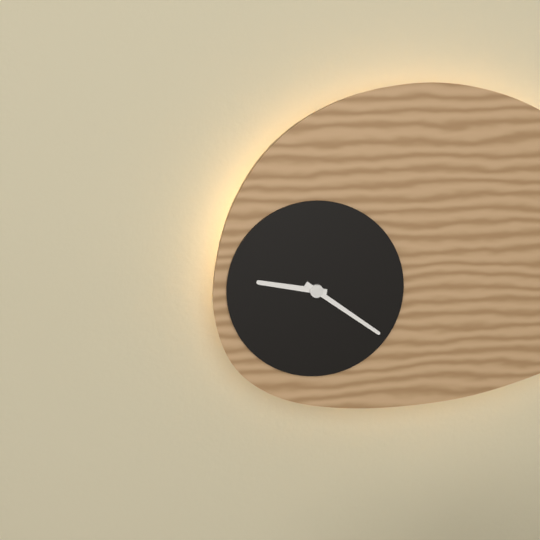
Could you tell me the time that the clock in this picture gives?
9:21
